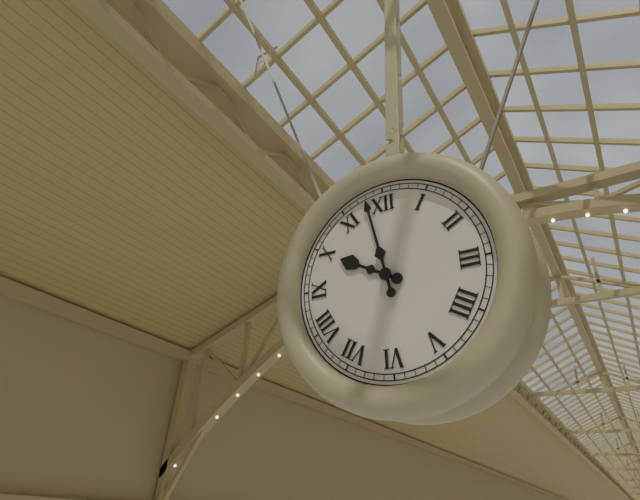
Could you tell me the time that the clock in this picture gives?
9:58
